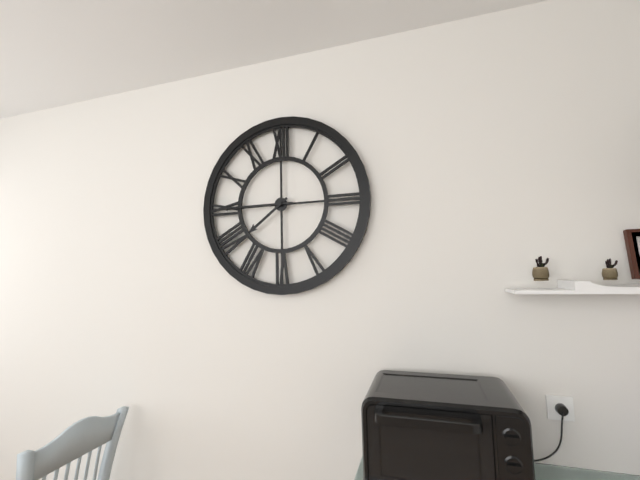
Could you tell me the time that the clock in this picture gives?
7:45
